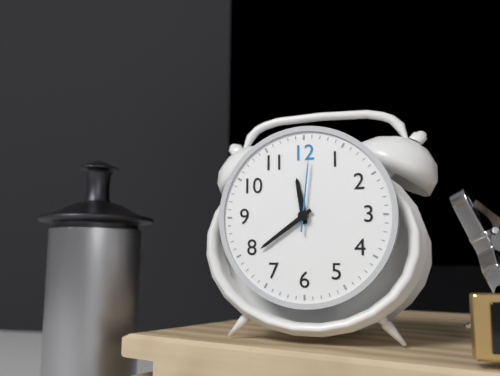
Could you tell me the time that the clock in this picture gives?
11:39:01
